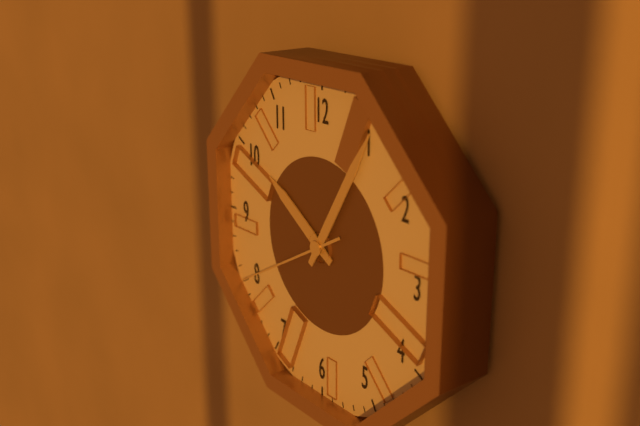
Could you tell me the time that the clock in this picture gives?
10:05:40
